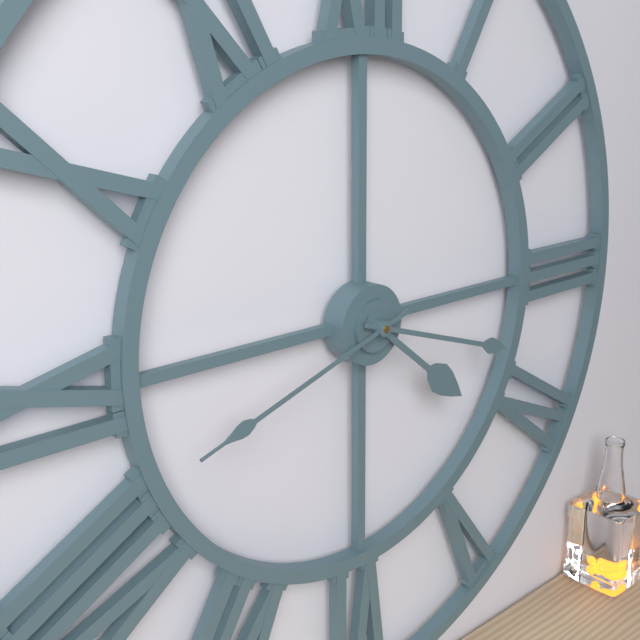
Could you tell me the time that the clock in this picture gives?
4:18:42
